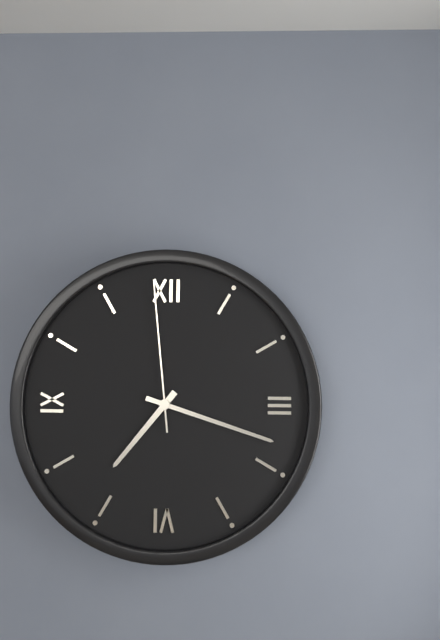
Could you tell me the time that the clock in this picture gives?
7:18:59
